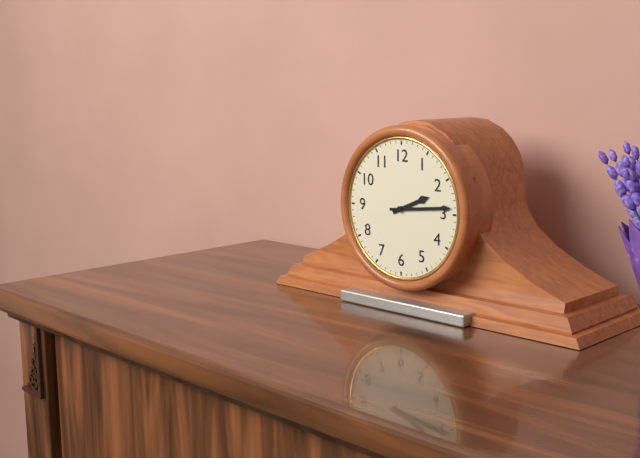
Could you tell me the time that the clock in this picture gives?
2:14
